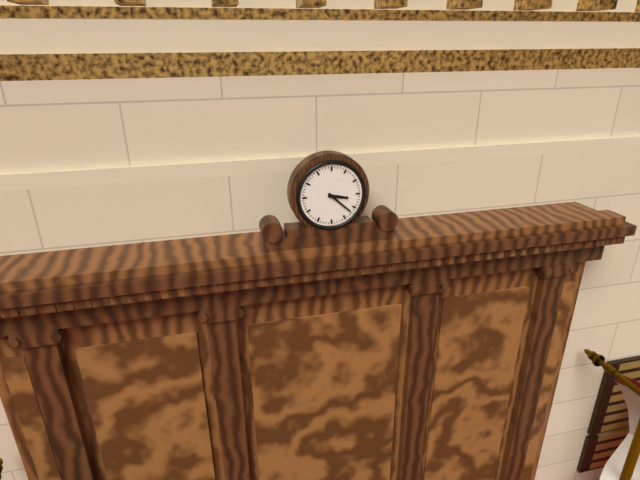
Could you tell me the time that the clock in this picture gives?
3:22
